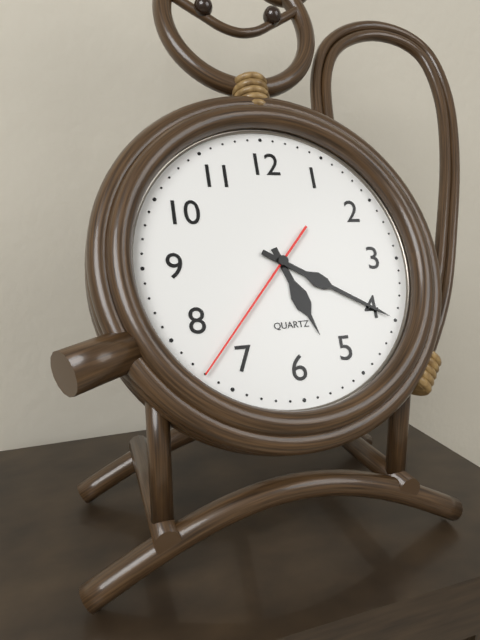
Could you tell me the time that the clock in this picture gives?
5:20:37
